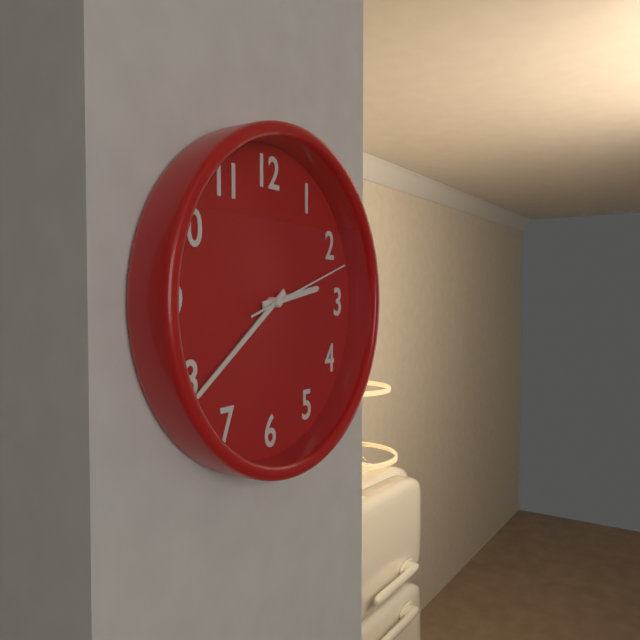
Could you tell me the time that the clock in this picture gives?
2:39:12
